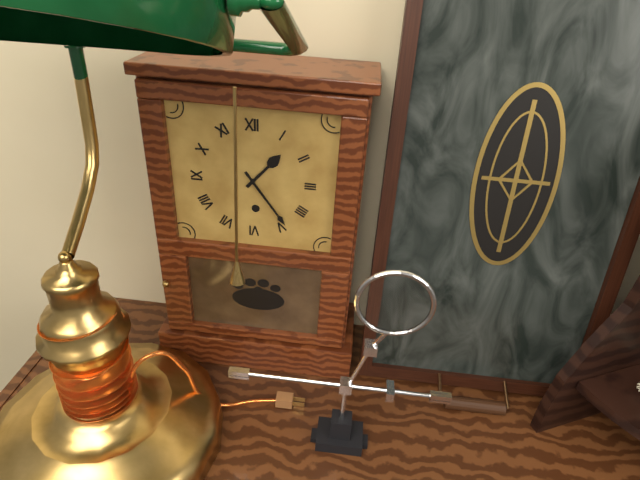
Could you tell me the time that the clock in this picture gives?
1:24
